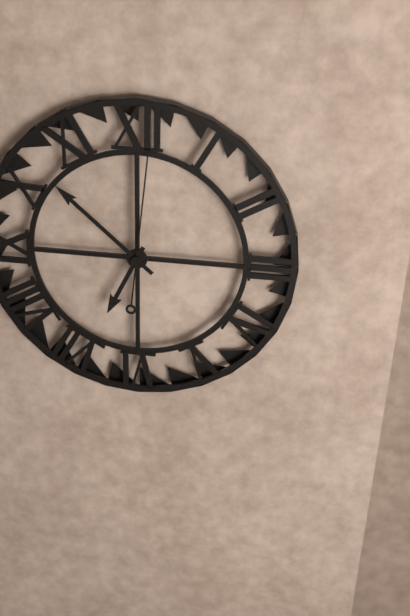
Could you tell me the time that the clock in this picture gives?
6:52:01
